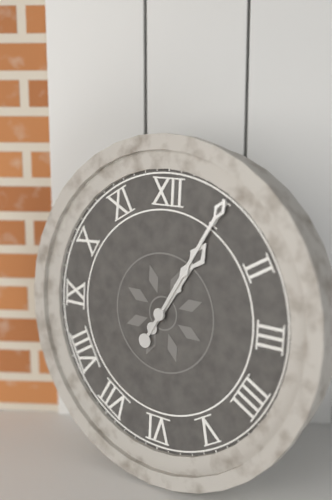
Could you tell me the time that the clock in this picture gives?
1:05
